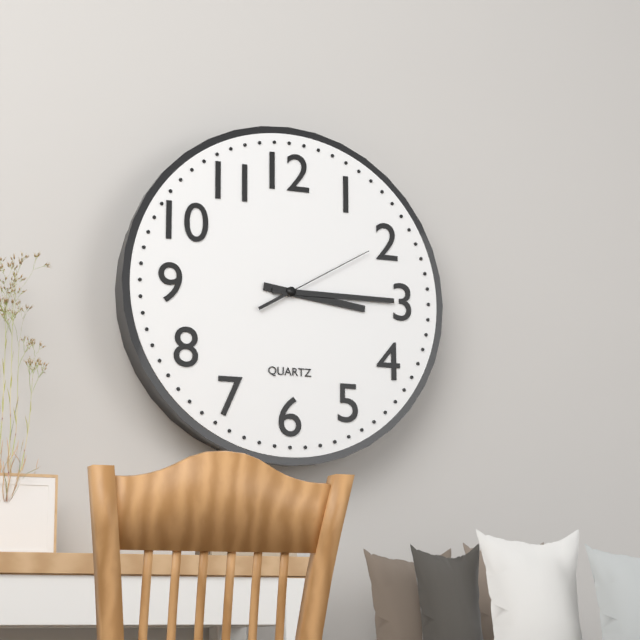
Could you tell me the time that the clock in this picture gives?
3:15:10
